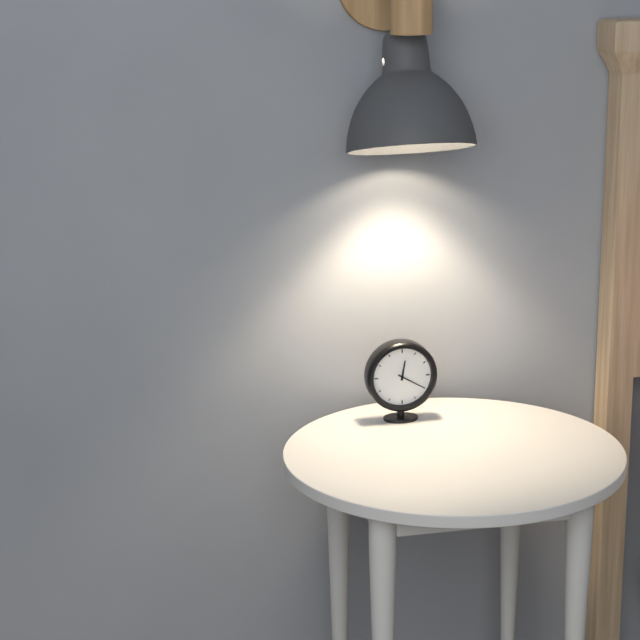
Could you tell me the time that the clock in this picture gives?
12:20
